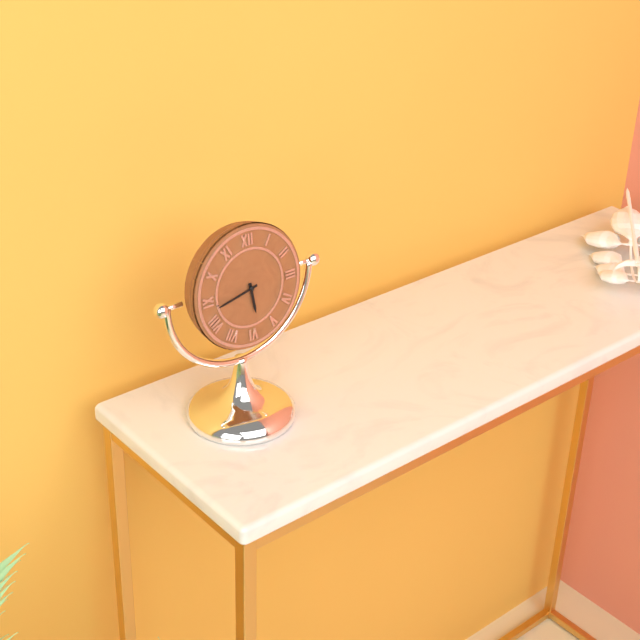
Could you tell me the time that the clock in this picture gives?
5:43
